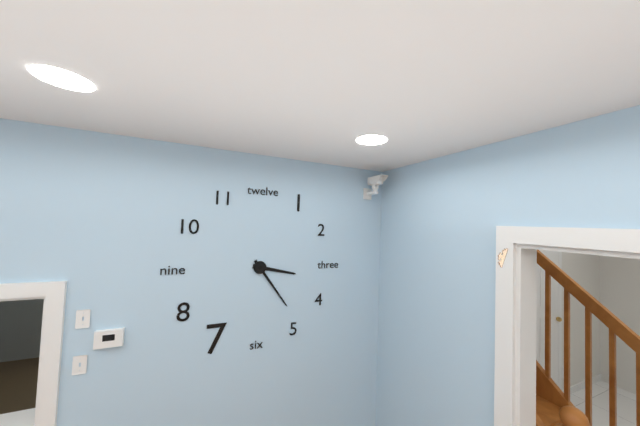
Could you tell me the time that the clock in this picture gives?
3:24
